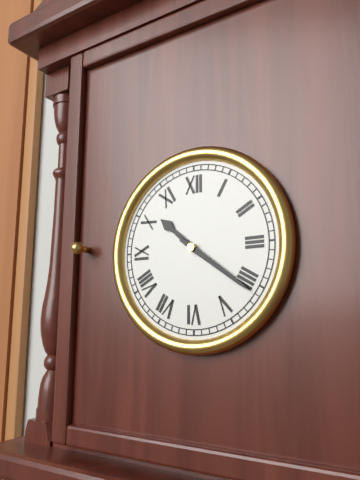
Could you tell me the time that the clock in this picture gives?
10:21
